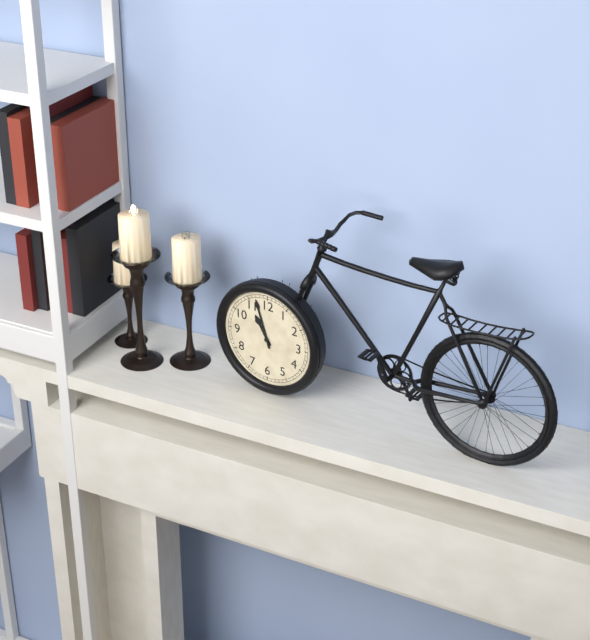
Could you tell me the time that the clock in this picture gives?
10:57
